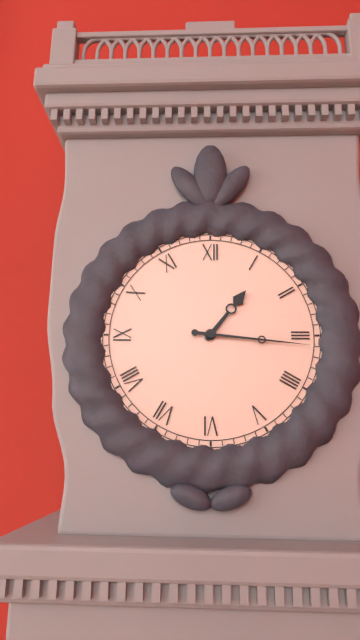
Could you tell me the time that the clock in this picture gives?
1:16
